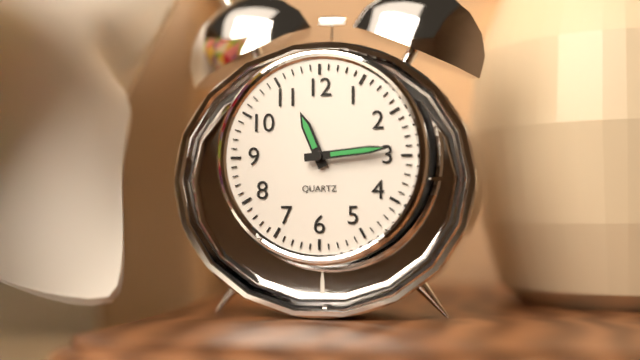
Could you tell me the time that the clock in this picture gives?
11:14
